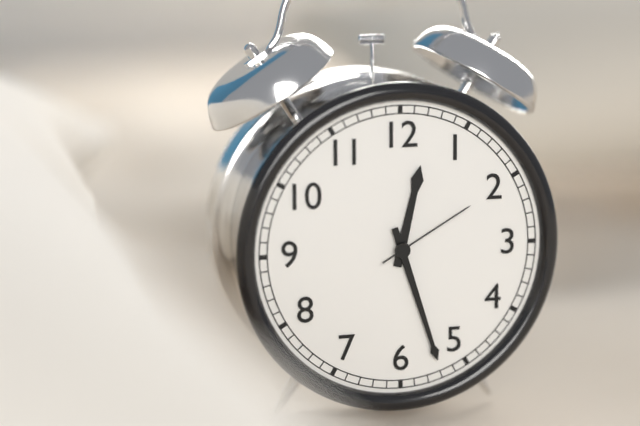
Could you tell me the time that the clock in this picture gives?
12:27:10
